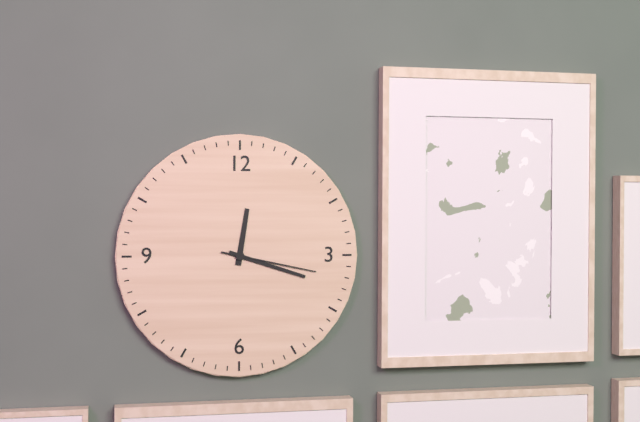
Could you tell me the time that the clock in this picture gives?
12:18:17
